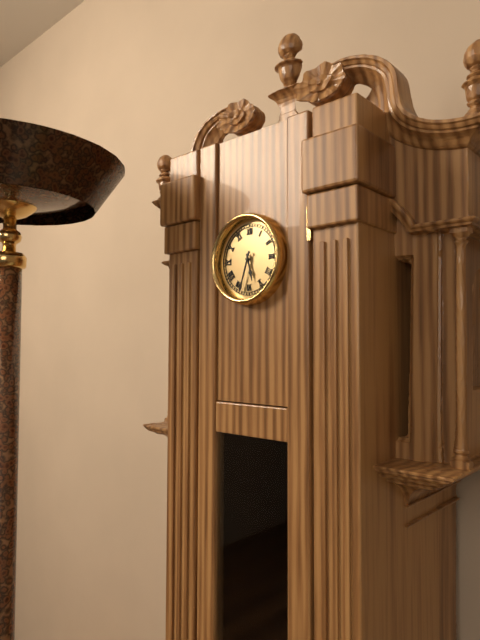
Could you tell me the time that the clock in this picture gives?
5:33
